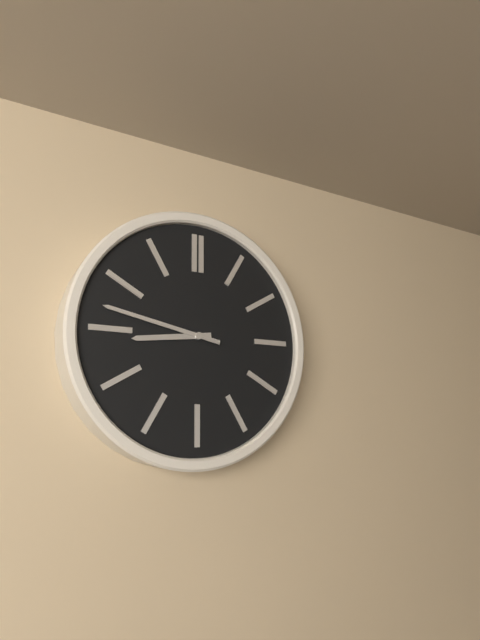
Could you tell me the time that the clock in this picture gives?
8:47
